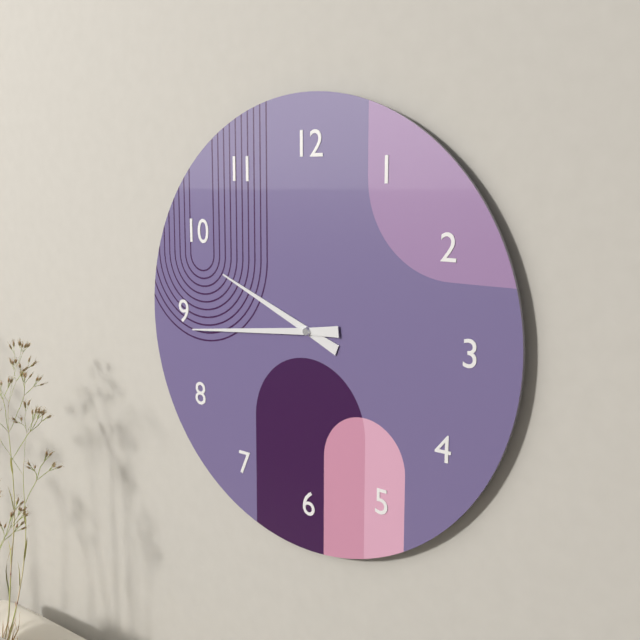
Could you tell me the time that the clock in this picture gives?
9:44
